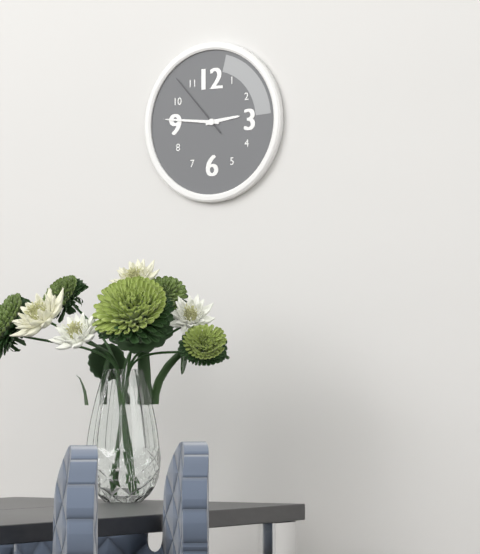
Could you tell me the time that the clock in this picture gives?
2:46:53
